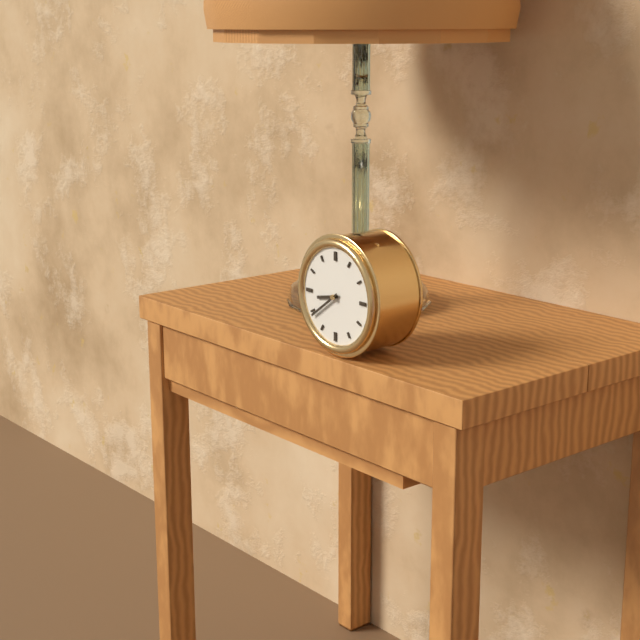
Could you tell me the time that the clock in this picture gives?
8:39
